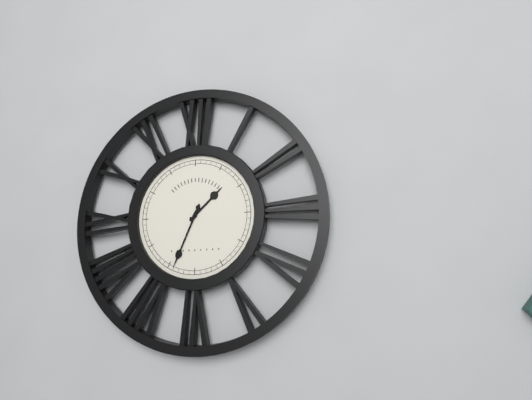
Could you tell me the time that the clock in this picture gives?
1:34
